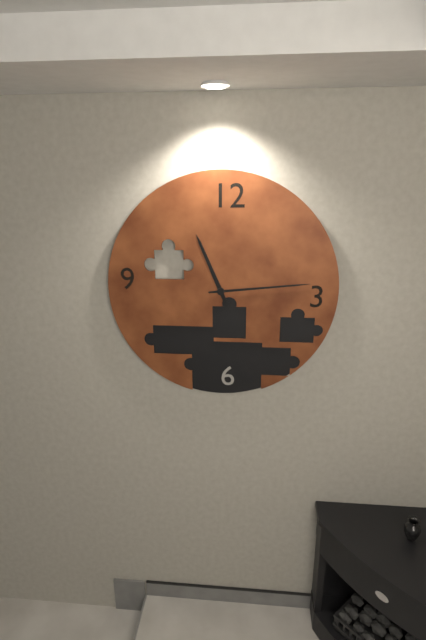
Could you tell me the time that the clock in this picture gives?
11:14
